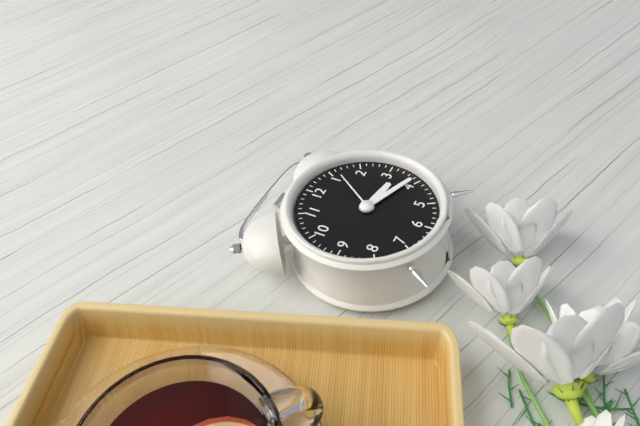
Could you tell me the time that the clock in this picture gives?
3:19:06
